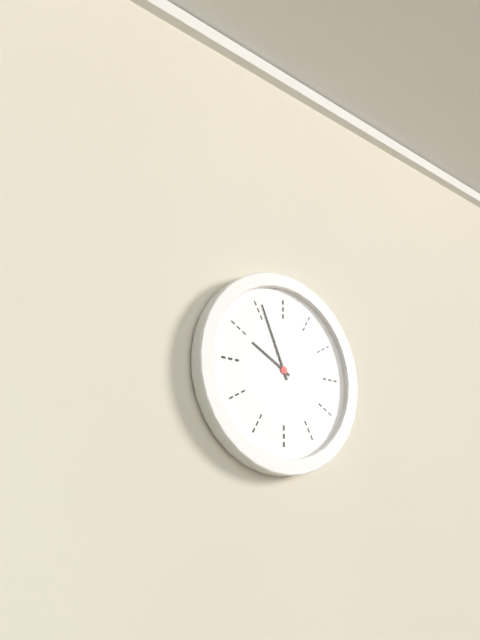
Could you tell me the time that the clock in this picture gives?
9:56
